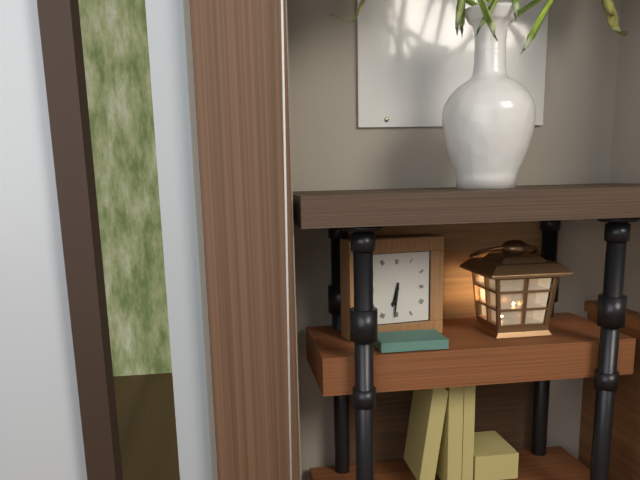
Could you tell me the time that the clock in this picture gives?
6:31
